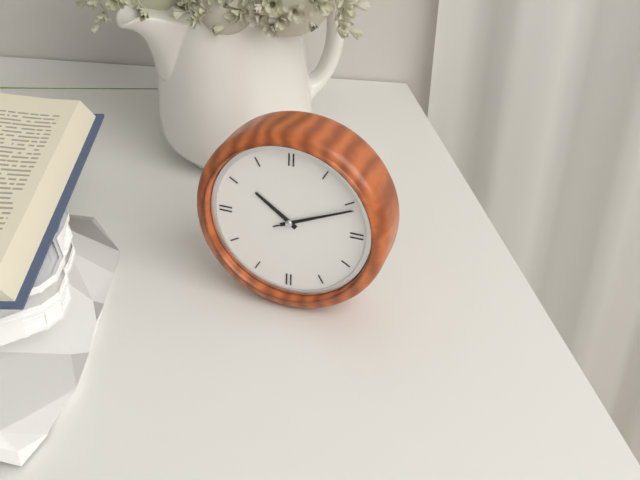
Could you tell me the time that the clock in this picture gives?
10:11:11
